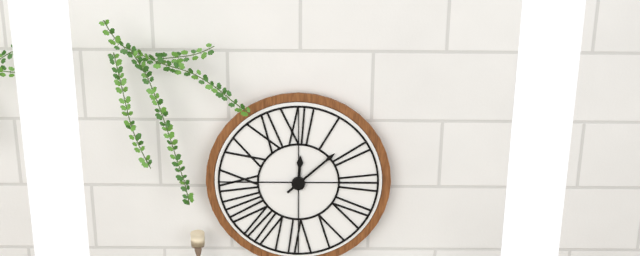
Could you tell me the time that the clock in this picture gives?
12:08
